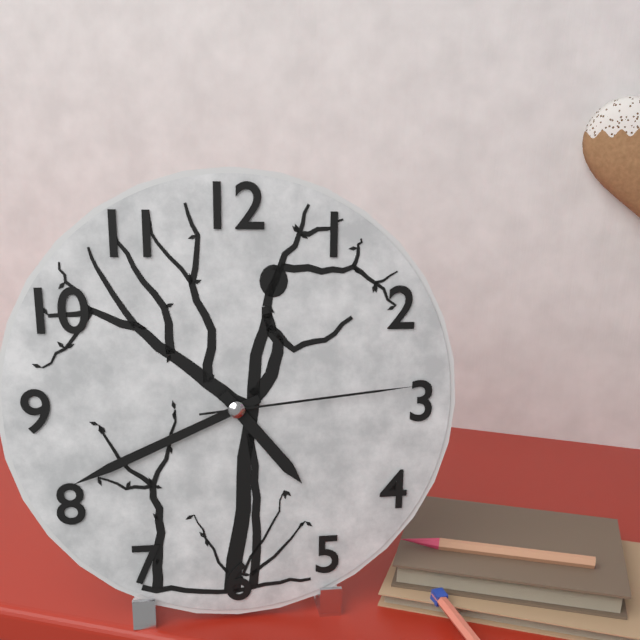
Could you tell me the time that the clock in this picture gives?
4:41:14
